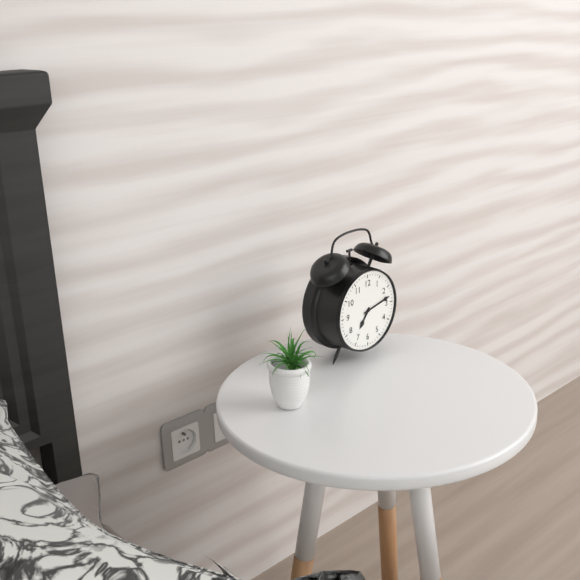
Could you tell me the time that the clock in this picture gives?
7:13
